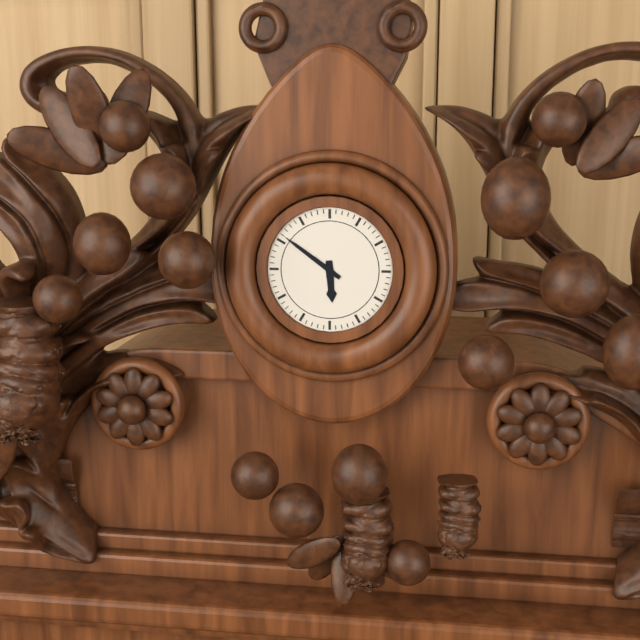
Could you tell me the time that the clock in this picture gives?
5:51
